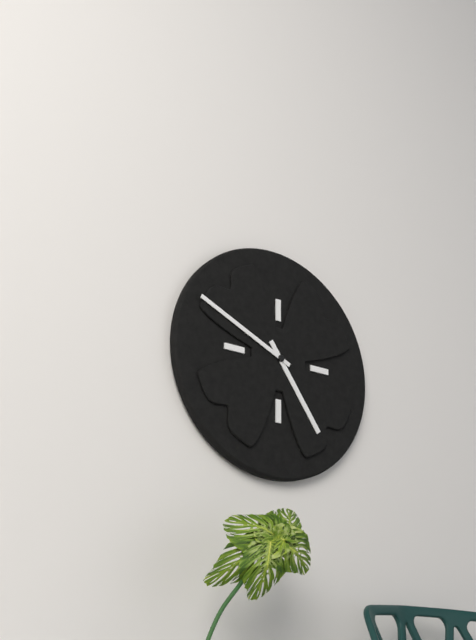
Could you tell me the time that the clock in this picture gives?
4:49
